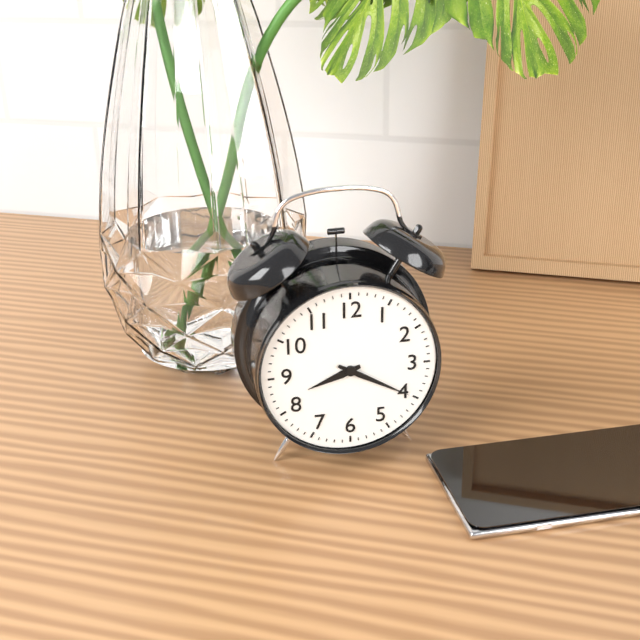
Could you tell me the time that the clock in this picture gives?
8:20
